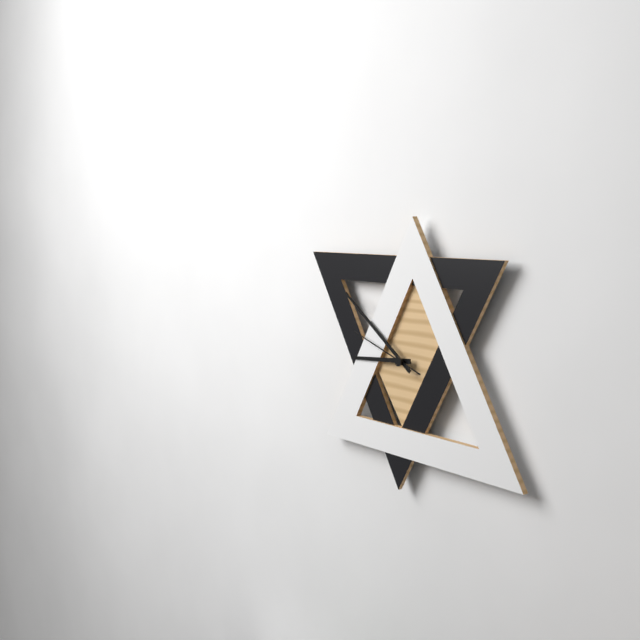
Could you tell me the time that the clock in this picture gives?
8:51:48
